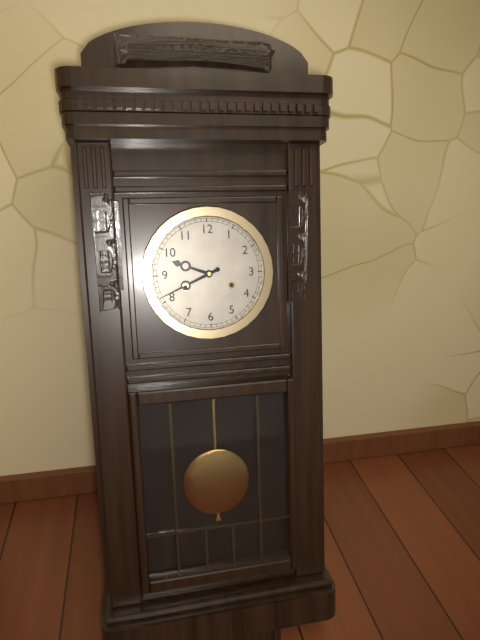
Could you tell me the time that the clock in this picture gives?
9:41
